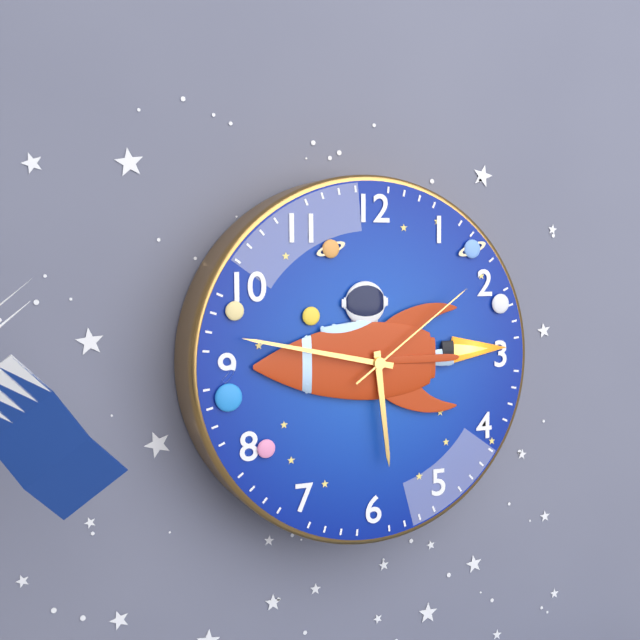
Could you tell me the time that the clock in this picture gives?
5:47:09
